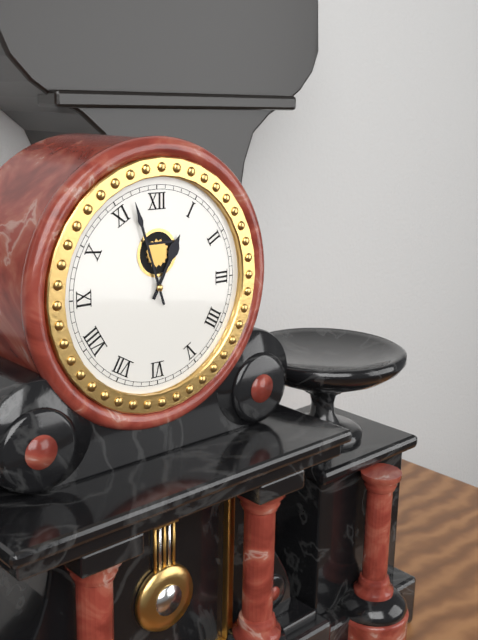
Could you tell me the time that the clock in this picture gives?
12:57
